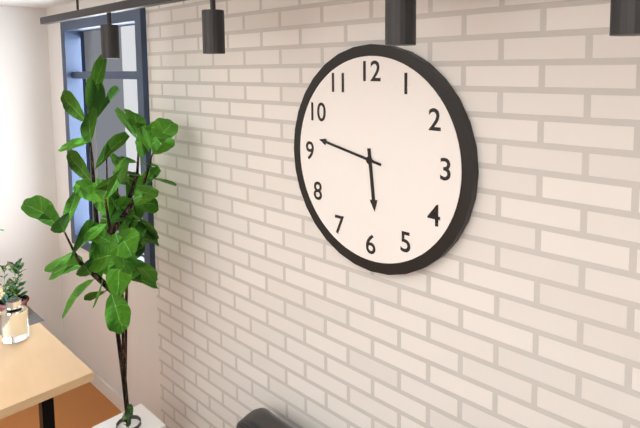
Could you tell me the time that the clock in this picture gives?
5:47
